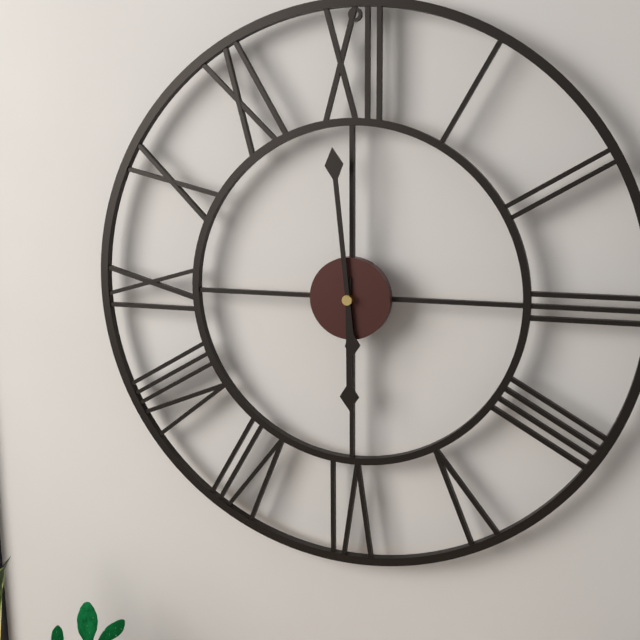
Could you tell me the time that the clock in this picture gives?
5:59
